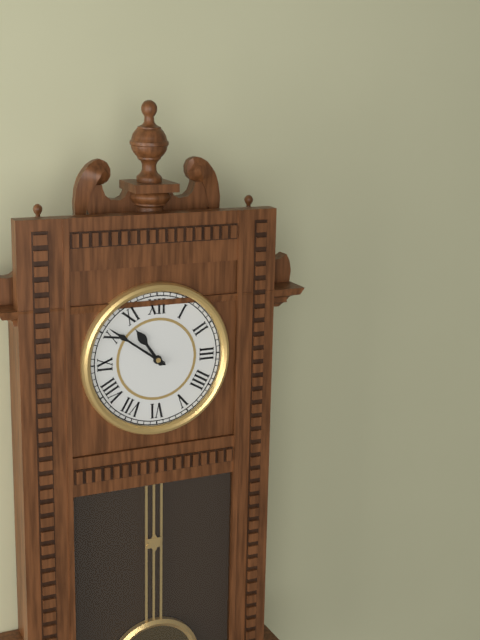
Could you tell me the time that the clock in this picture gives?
10:51
